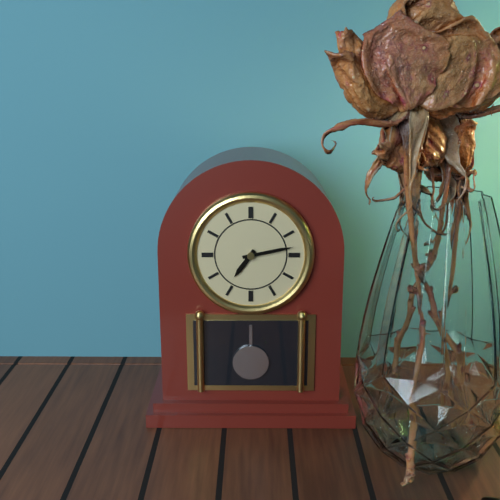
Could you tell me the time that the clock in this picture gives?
7:13
